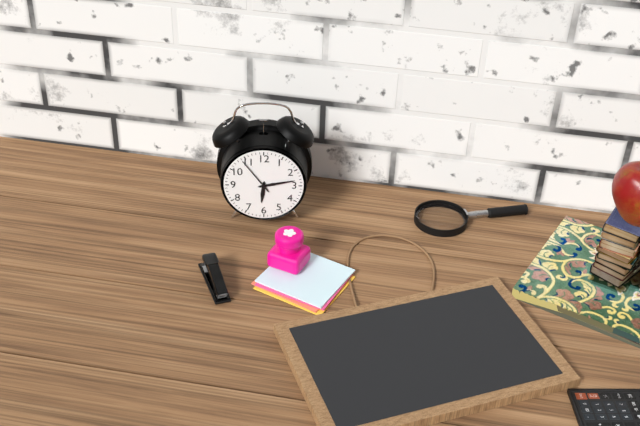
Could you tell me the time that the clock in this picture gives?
6:13
